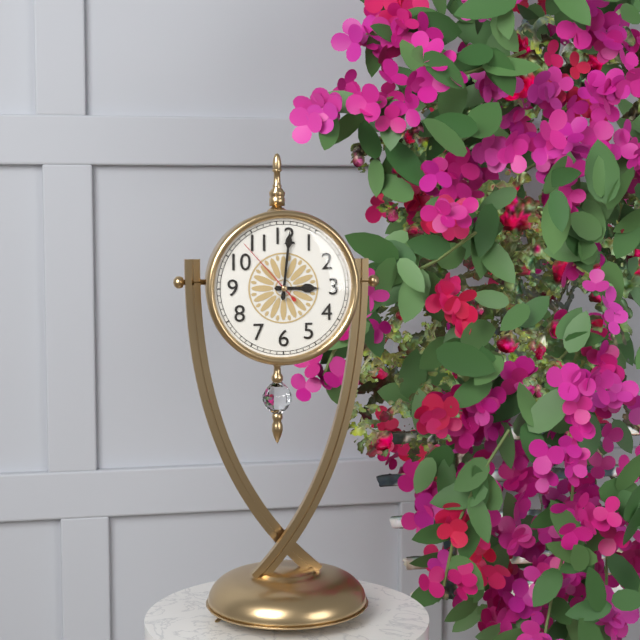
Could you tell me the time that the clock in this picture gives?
3:01:53
